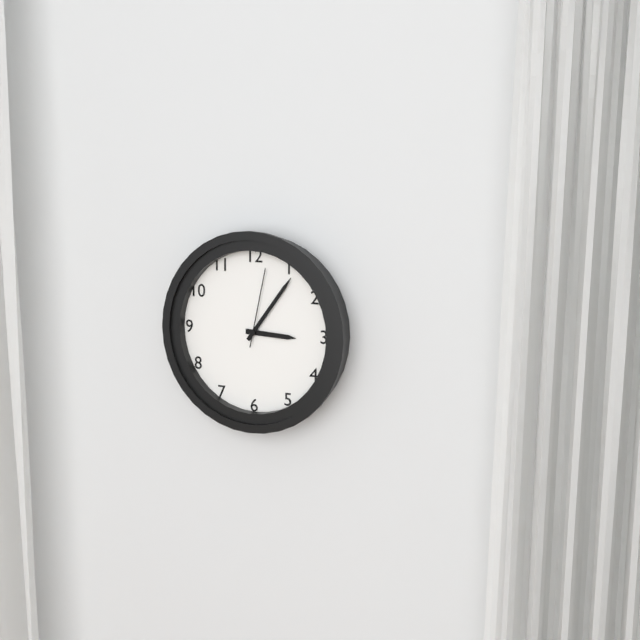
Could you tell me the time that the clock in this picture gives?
3:06:02
